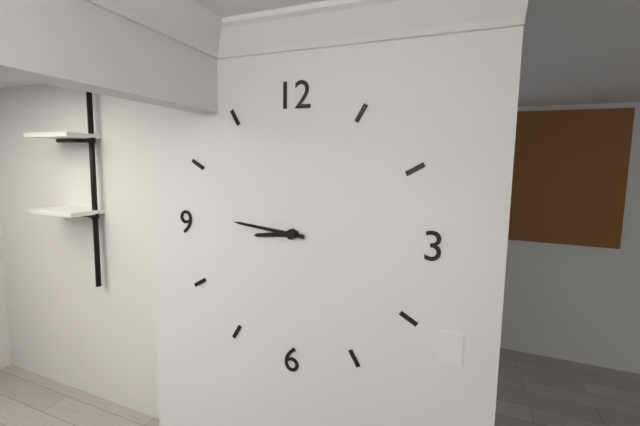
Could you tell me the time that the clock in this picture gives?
8:46
